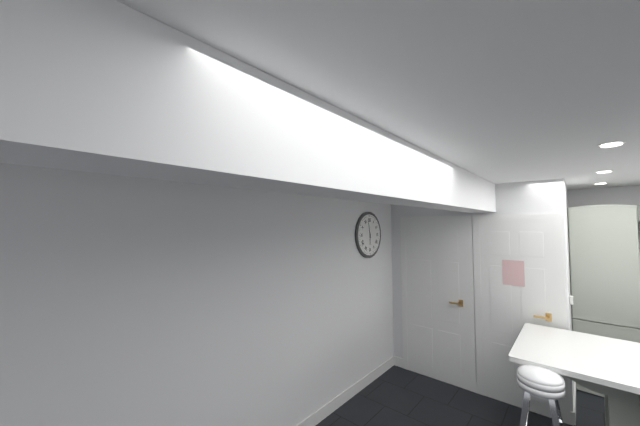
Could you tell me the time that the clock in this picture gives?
5:58
